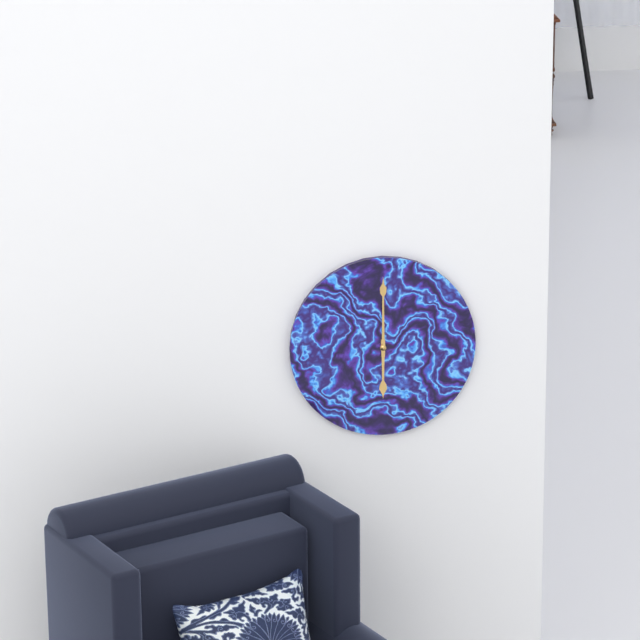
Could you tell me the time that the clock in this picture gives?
6:00
